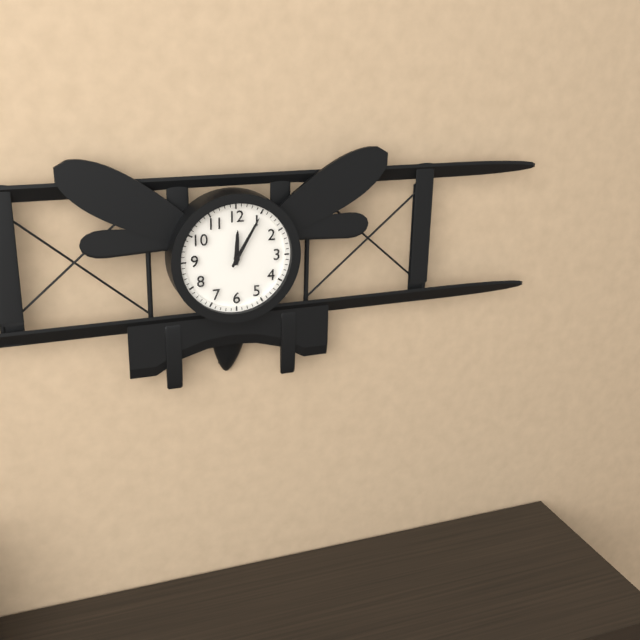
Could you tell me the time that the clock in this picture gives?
12:05
